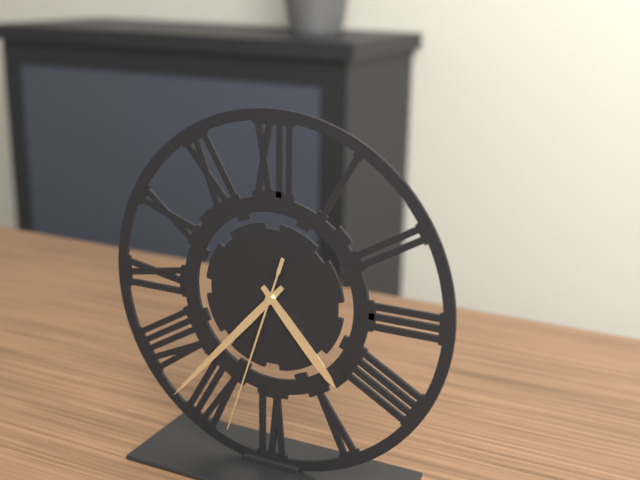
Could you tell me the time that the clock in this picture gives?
4:37:33
